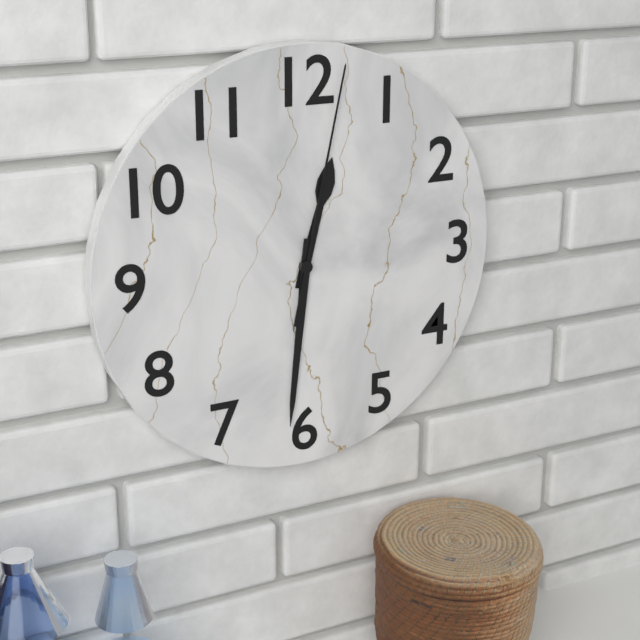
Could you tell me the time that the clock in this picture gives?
12:31:02
